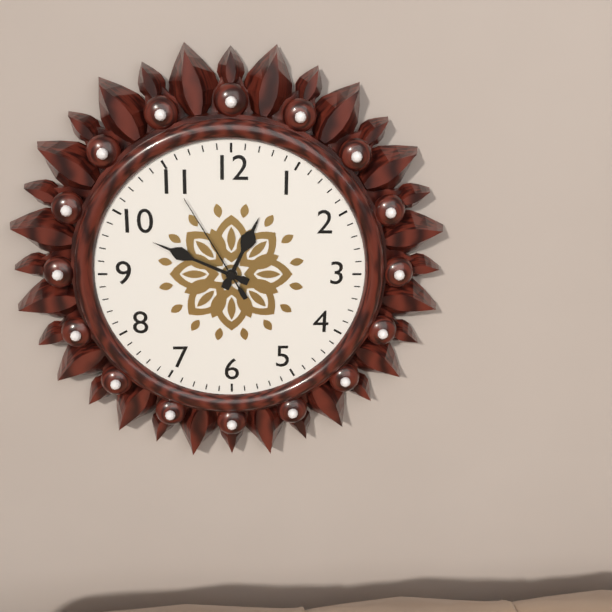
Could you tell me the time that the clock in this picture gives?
12:49:55
